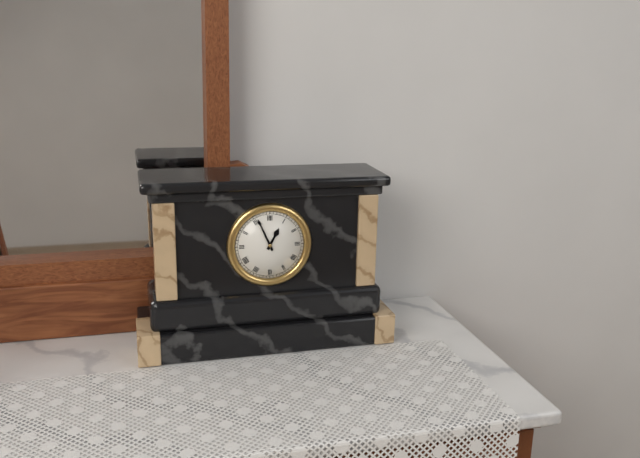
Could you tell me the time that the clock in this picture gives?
12:56
